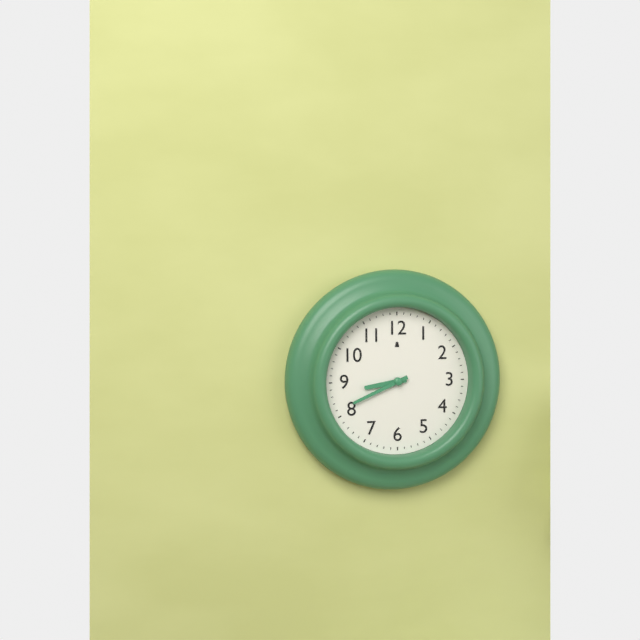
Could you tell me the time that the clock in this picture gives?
8:41
